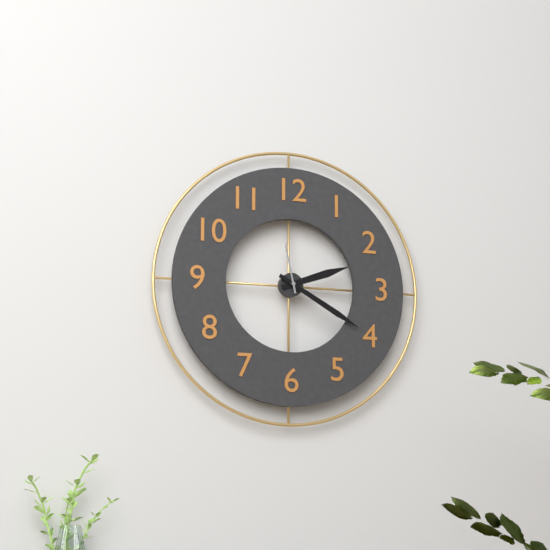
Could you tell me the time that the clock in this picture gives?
2:20:58
